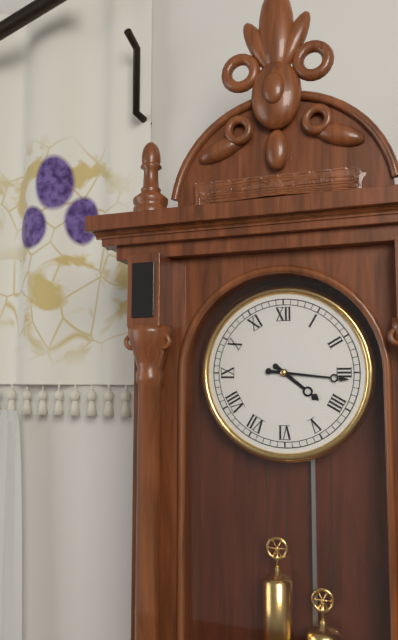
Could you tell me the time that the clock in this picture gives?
4:16
